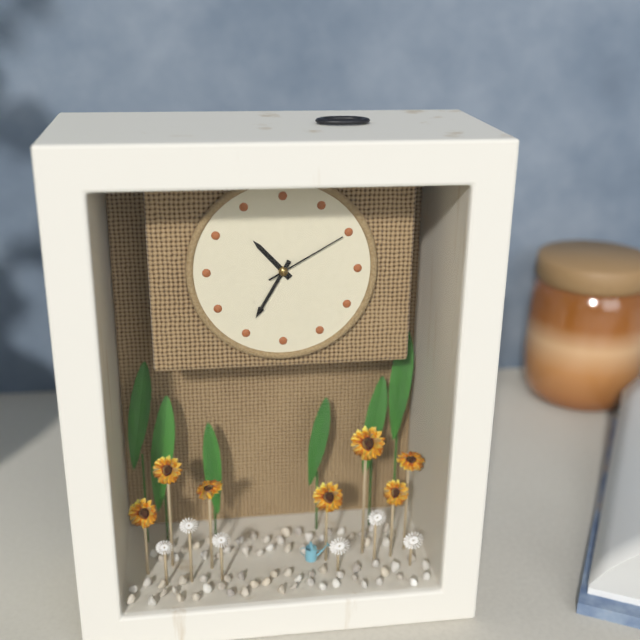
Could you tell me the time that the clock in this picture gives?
10:35:10
